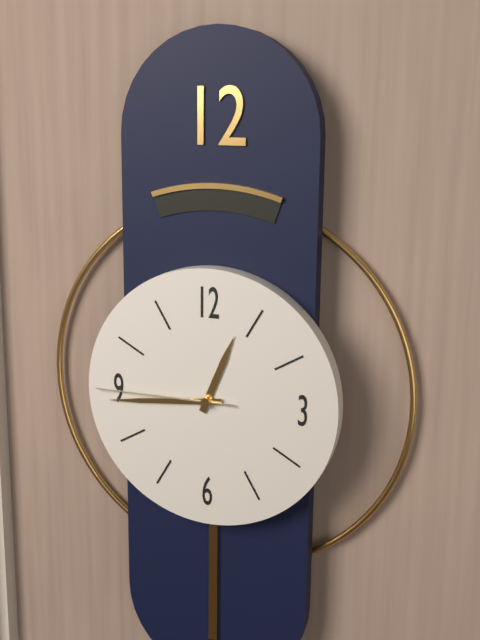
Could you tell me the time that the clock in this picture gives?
12:44:45
